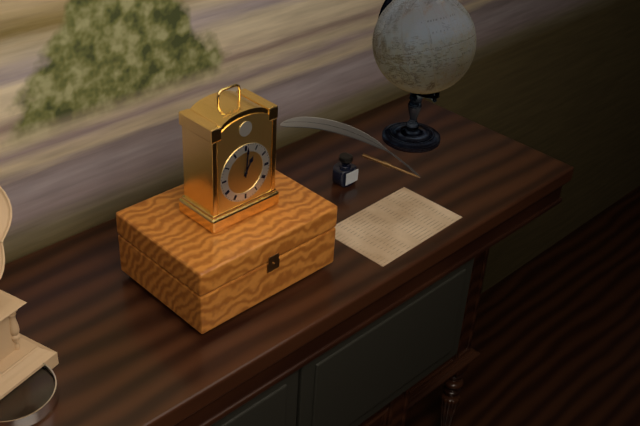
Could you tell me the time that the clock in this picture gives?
1:01
